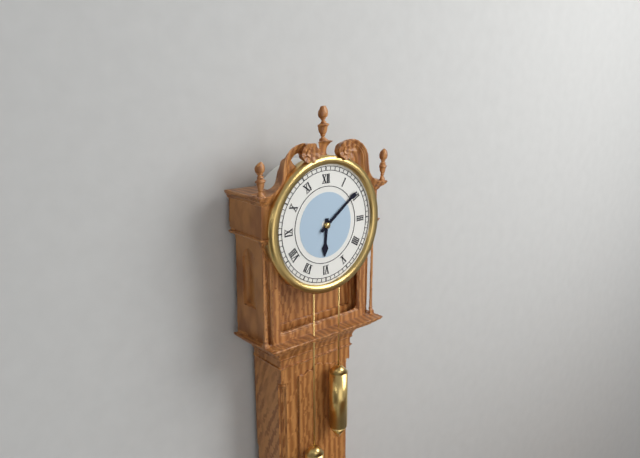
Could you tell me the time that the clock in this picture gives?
6:09
